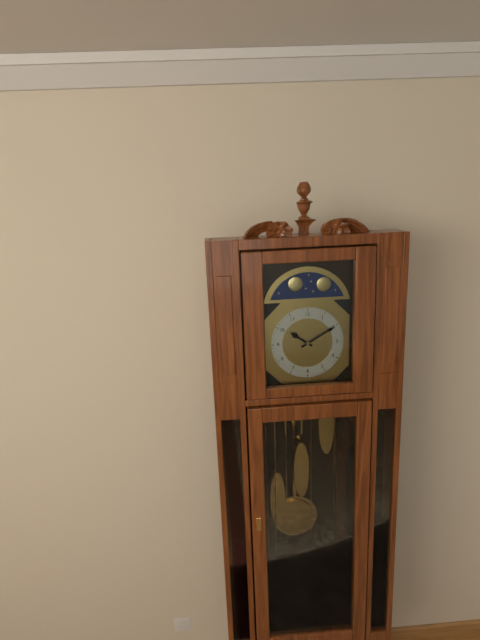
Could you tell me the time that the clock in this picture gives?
10:10
